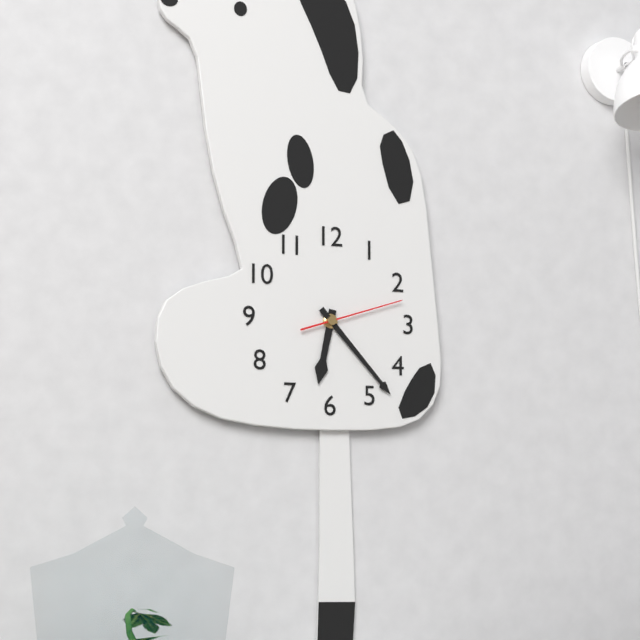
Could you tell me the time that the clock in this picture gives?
6:23:12
